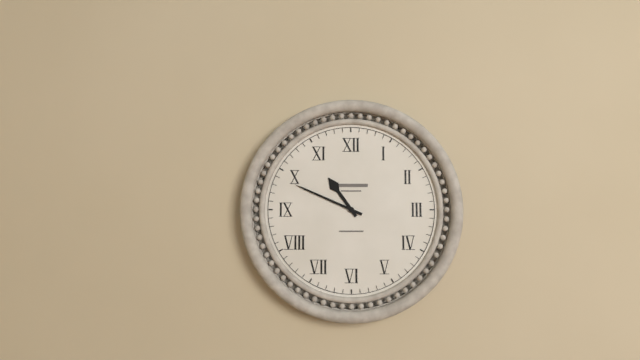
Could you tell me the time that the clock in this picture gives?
10:49
